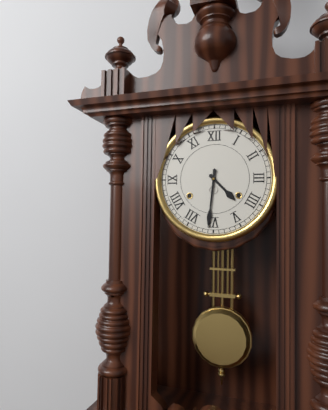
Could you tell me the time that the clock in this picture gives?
4:31
